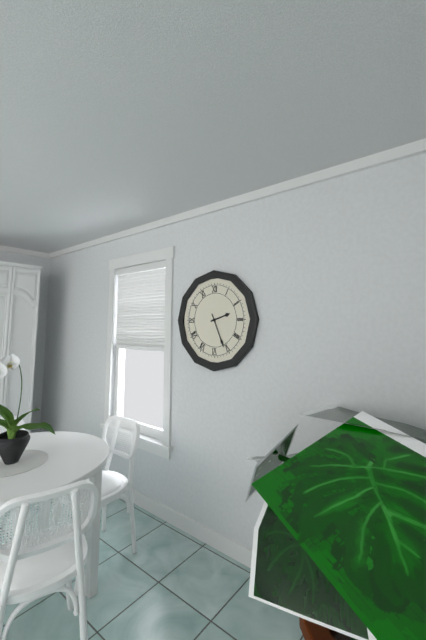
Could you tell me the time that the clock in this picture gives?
2:26
